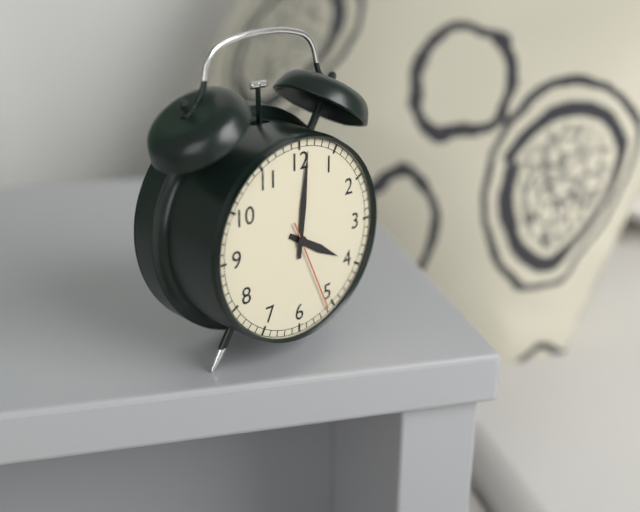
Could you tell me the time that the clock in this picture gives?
4:01:26
